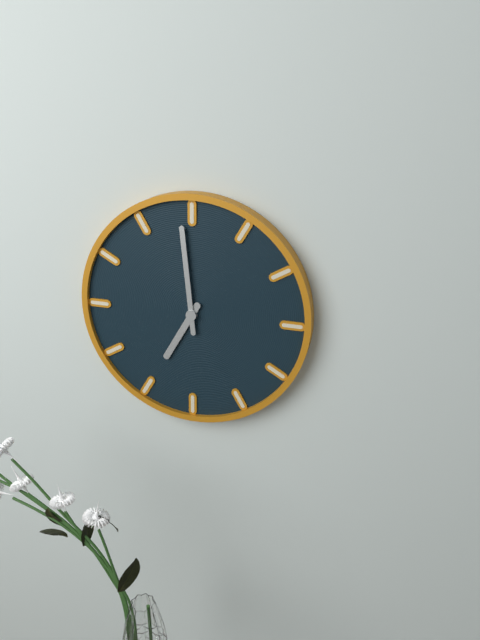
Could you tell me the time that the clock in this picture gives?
6:59
